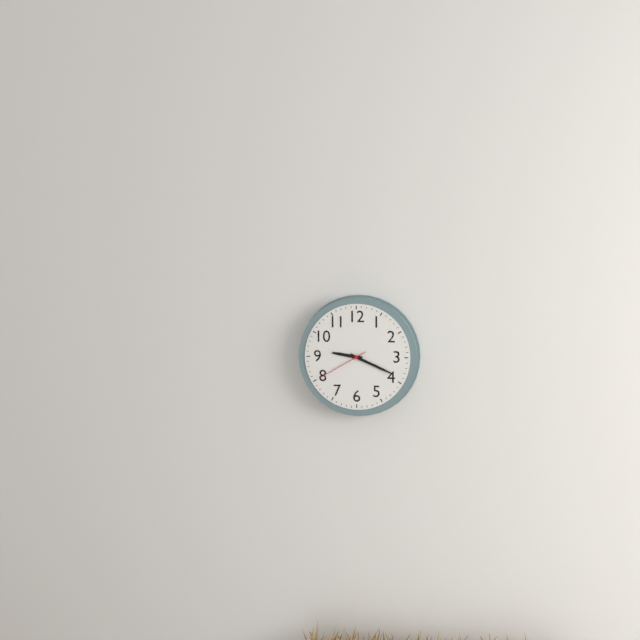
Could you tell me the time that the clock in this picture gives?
9:19:40
